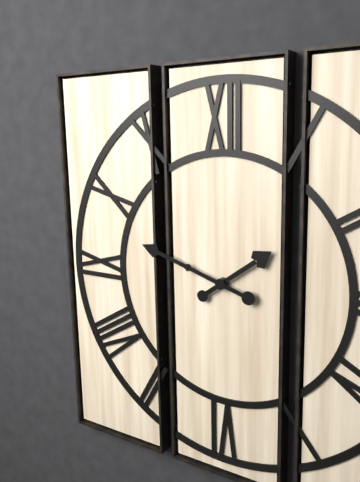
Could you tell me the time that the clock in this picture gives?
1:48
